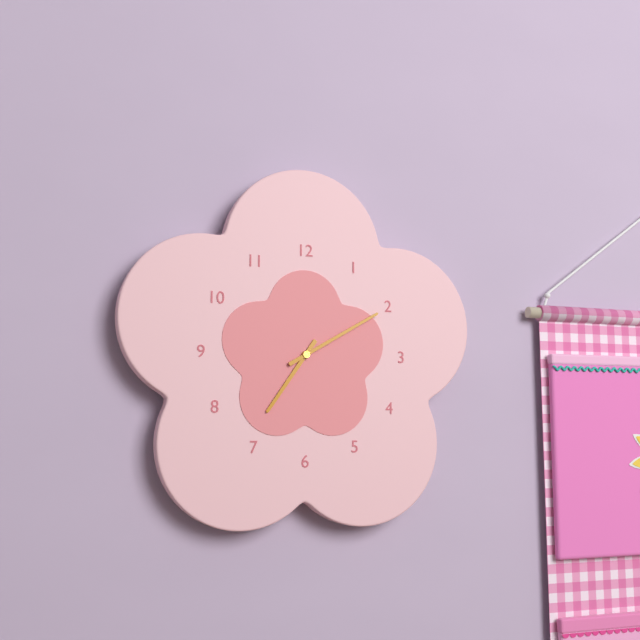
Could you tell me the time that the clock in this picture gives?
7:10
